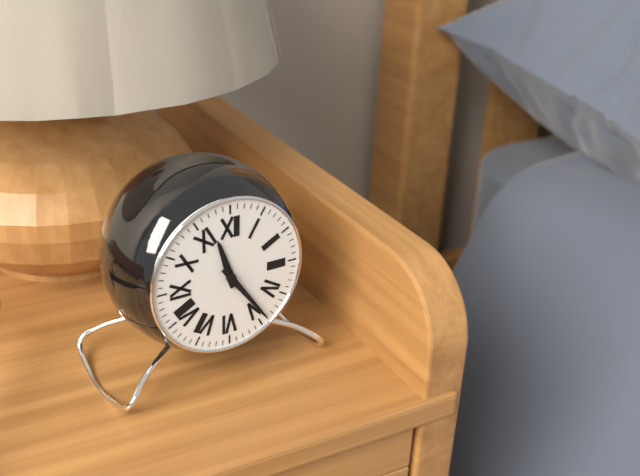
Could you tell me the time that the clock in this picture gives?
11:24
